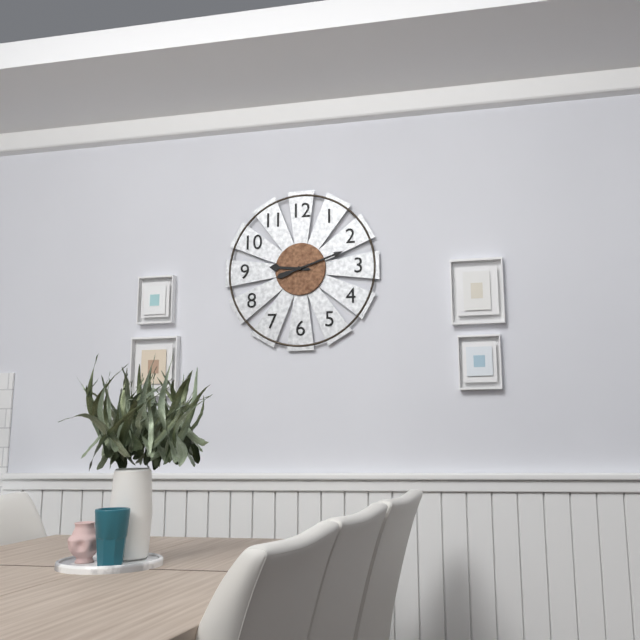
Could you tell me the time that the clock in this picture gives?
9:12
